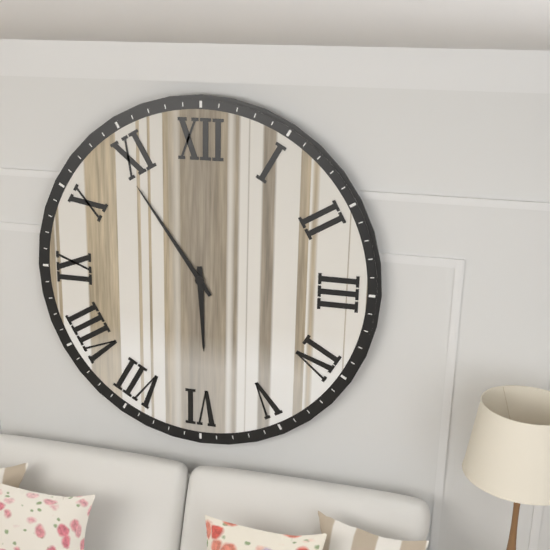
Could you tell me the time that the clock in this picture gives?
5:54
